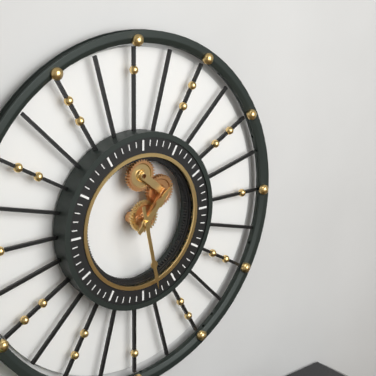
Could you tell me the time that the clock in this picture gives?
1:28
